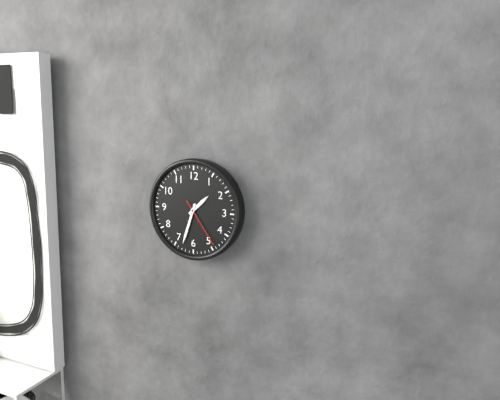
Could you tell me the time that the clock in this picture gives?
1:33:24
